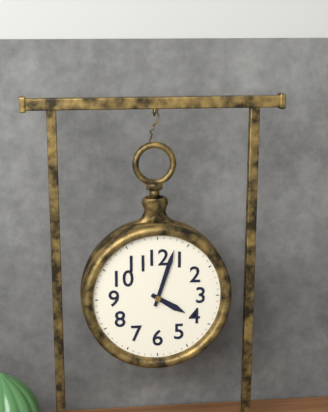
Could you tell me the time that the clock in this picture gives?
4:03
